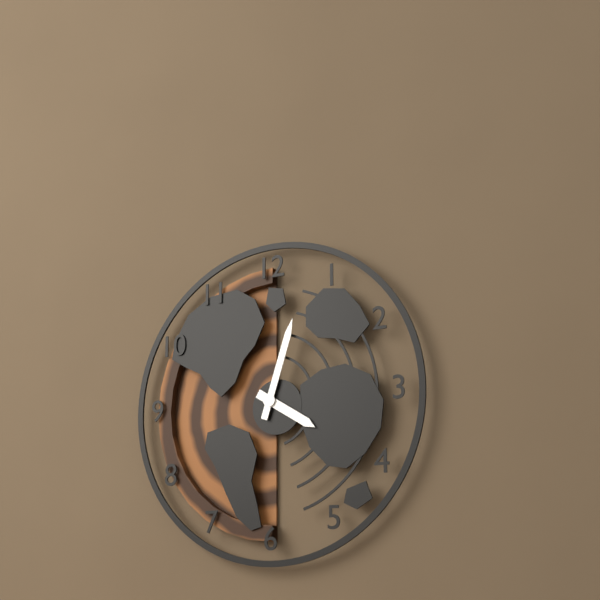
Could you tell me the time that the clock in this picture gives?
4:03
